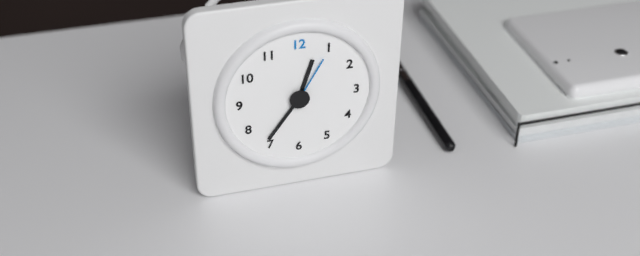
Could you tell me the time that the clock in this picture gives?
12:36:05
